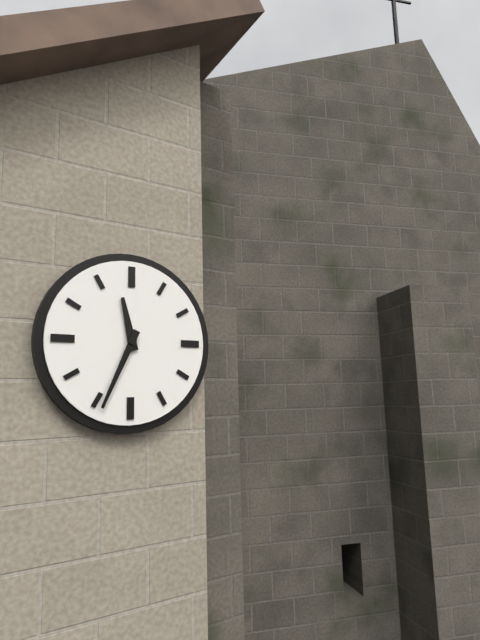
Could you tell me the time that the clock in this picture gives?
11:34
